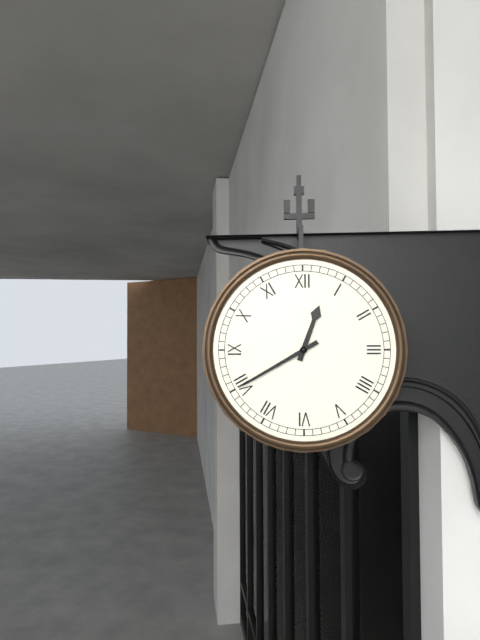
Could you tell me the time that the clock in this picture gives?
12:40
